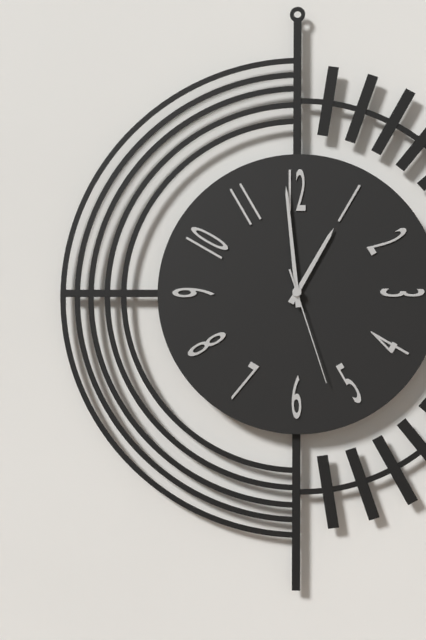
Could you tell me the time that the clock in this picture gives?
12:59:27
